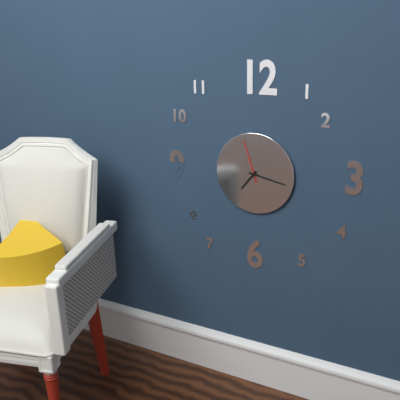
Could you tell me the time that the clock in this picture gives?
7:17
